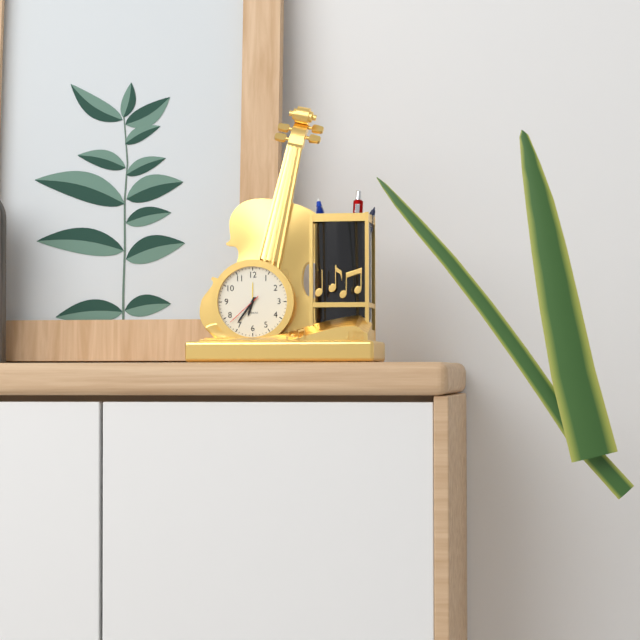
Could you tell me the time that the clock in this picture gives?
6:36
